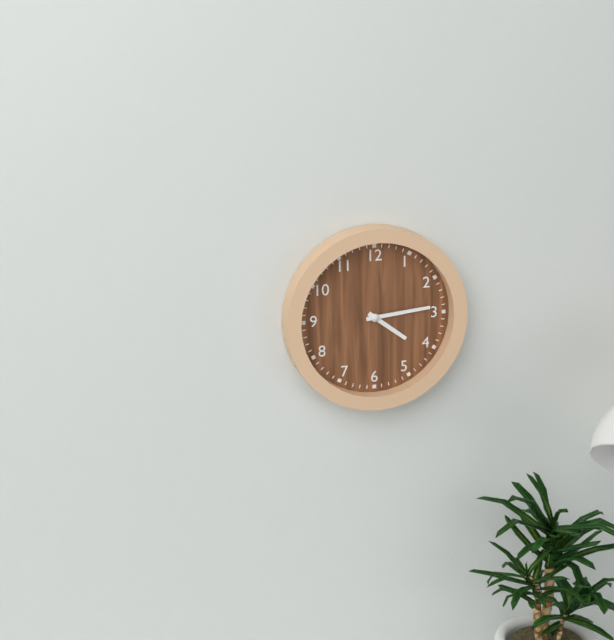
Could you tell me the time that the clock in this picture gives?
4:14
